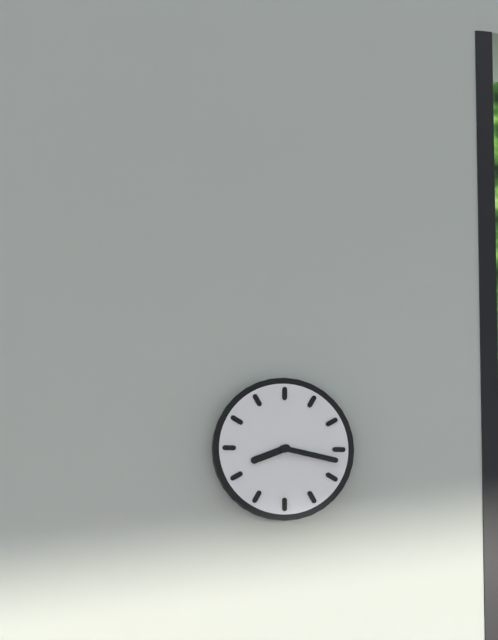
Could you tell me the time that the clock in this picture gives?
8:17
